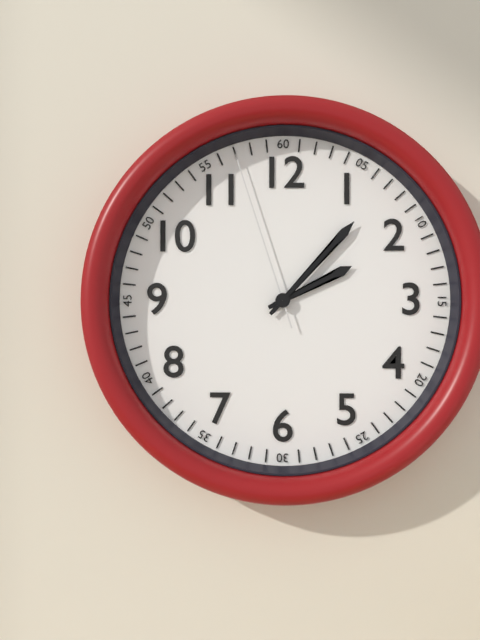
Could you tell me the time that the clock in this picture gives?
2:07:57
